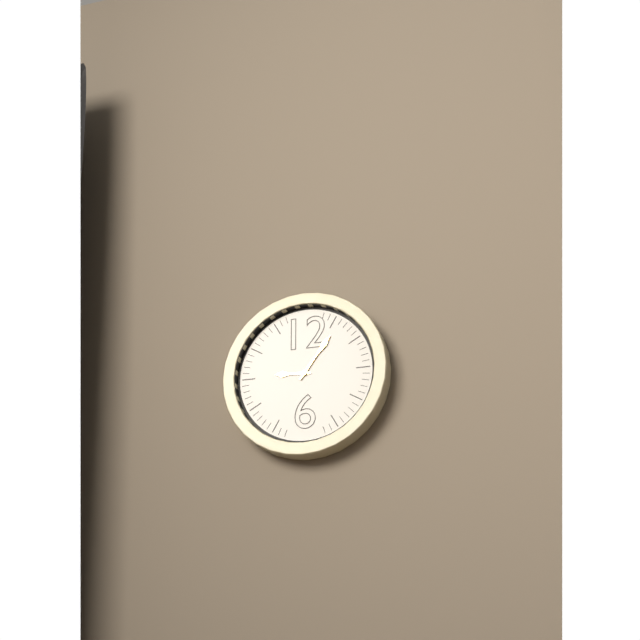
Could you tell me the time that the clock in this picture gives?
9:06
